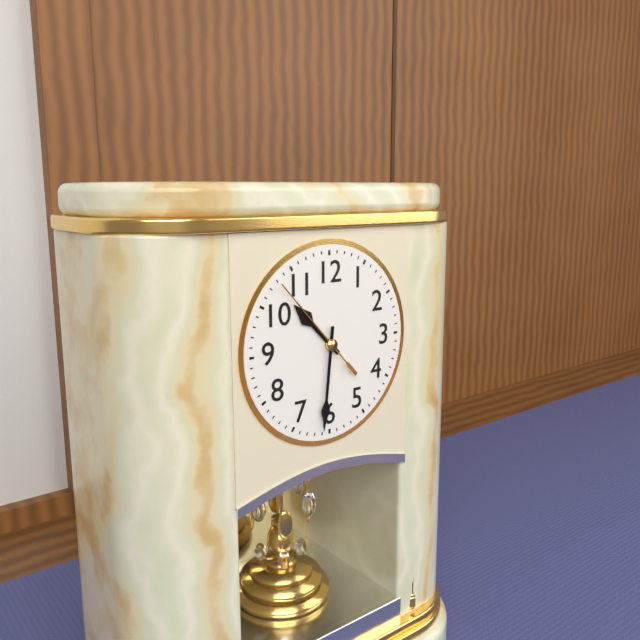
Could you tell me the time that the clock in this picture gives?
10:31:53
